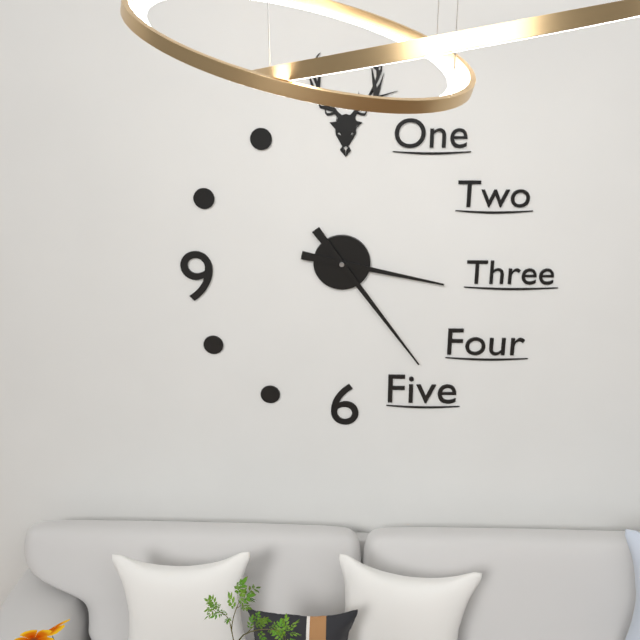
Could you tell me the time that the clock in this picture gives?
3:24
